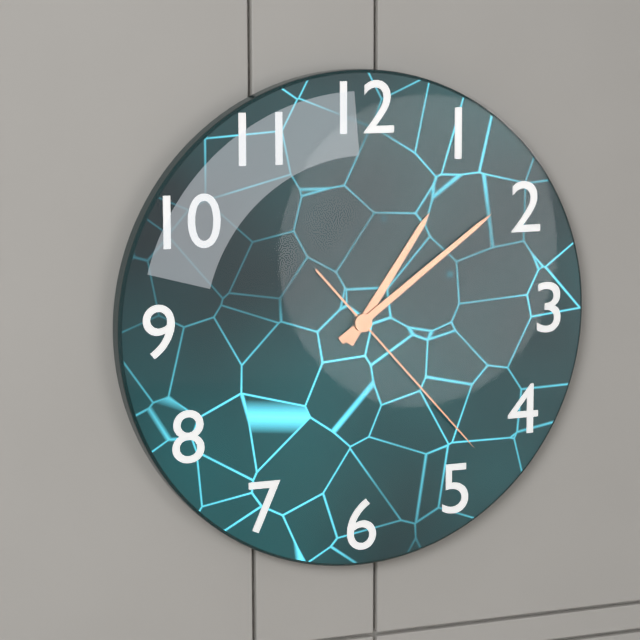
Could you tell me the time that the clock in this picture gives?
1:09:23
